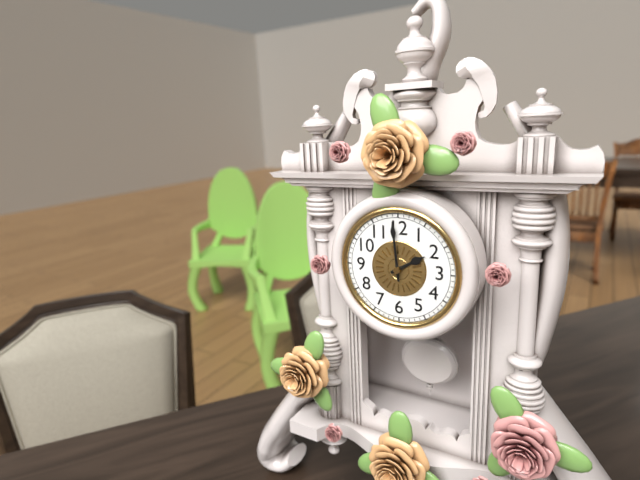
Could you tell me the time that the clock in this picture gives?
1:59
